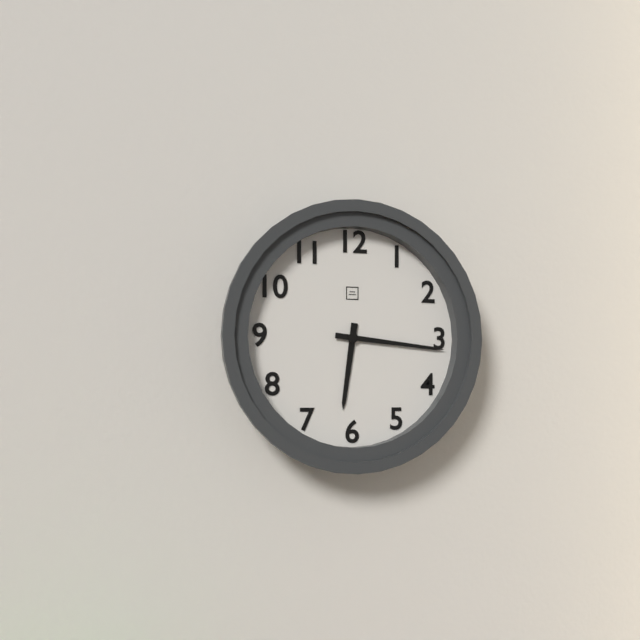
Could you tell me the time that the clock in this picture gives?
6:16
